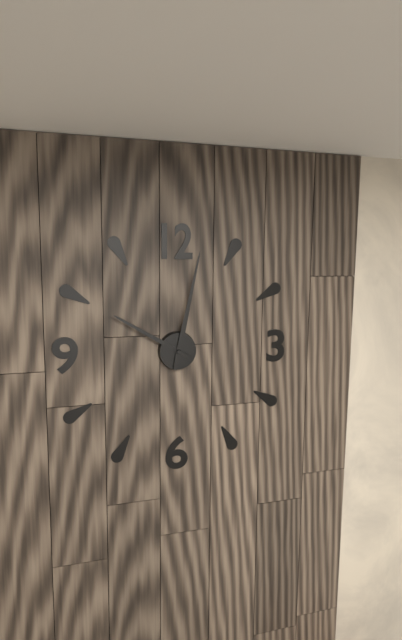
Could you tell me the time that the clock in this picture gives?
10:02
